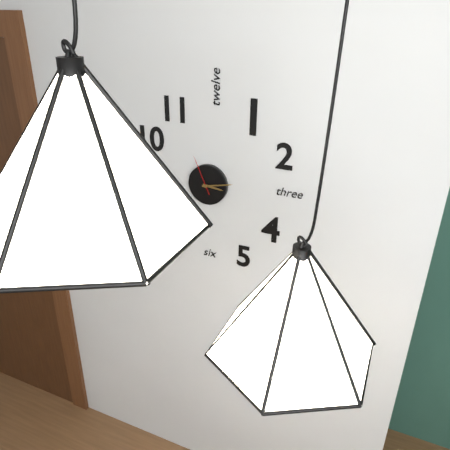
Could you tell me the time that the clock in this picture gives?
3:13
